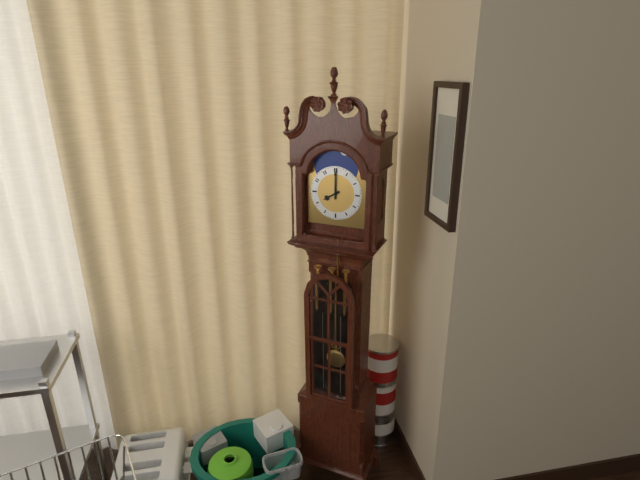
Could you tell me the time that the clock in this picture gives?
8:00
